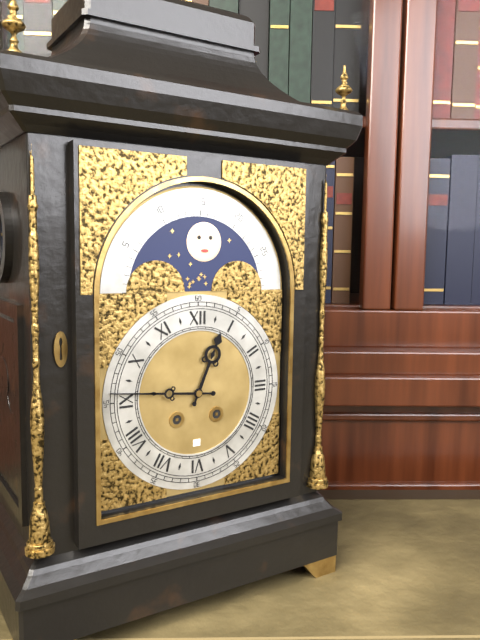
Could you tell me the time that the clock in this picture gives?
12:46
